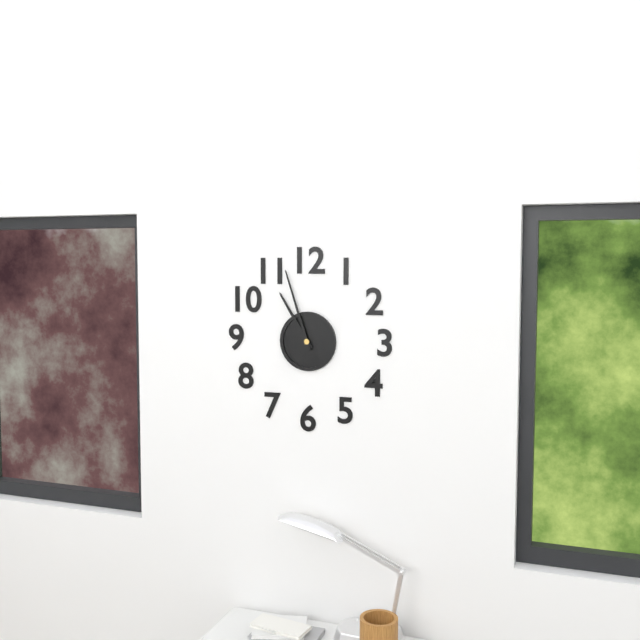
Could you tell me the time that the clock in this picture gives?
10:57
